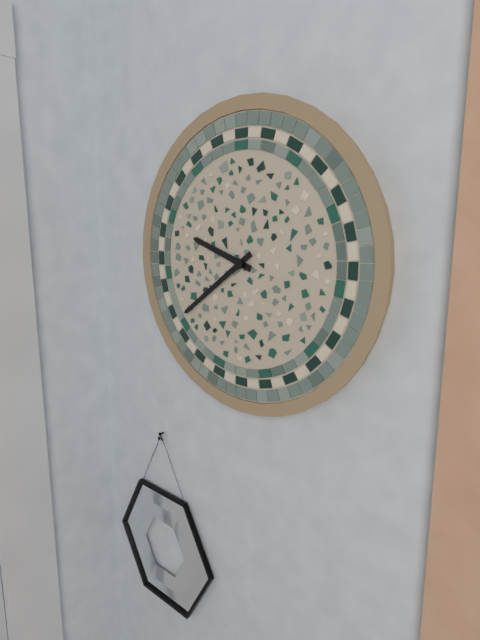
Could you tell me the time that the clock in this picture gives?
9:39
